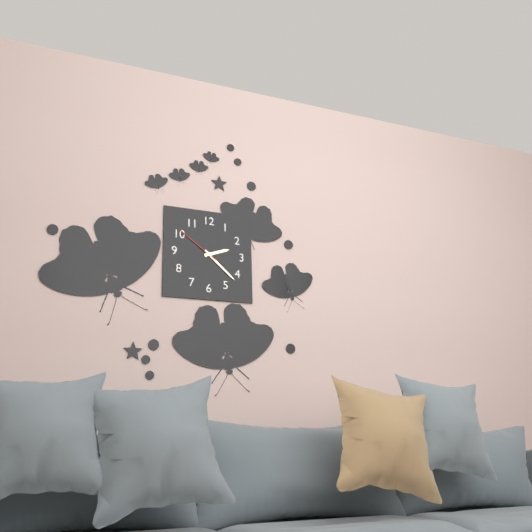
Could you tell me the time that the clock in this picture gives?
2:22:51
